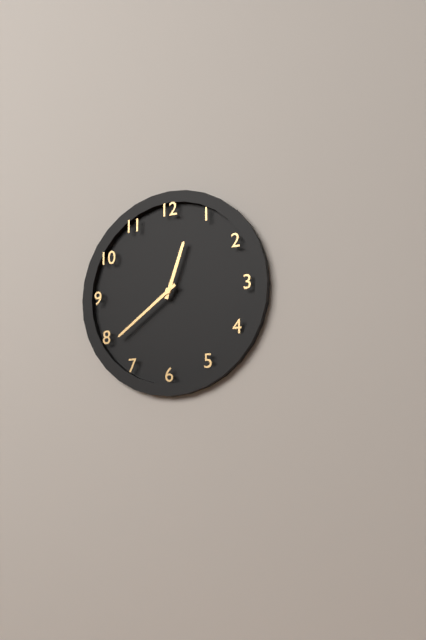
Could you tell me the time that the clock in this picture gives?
12:39
